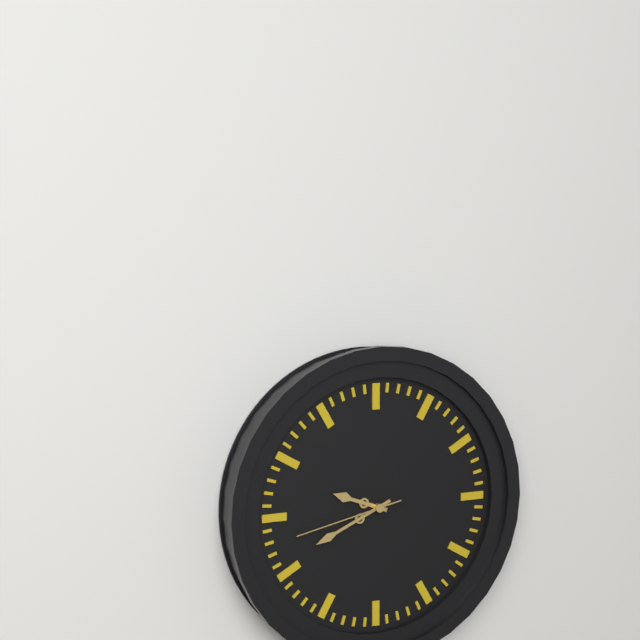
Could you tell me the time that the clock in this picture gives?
9:41:43
